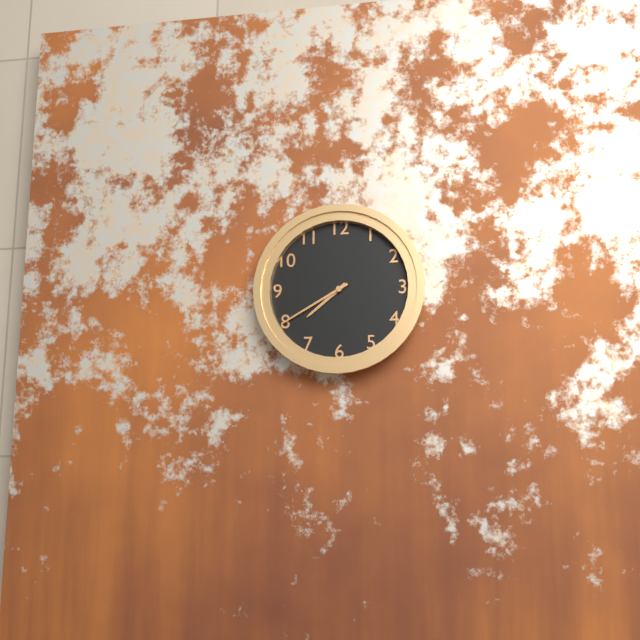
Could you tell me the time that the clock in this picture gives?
7:40
